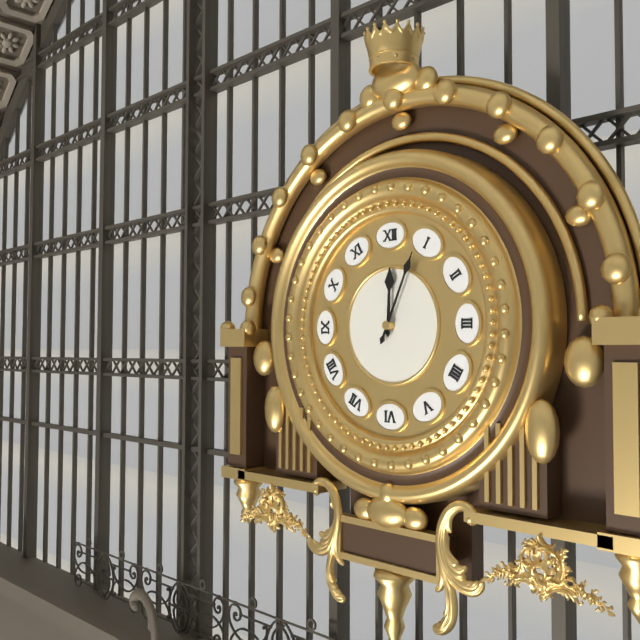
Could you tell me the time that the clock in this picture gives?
12:04
